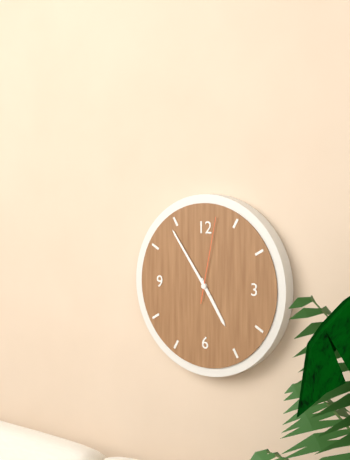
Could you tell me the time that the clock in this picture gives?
4:54:02
